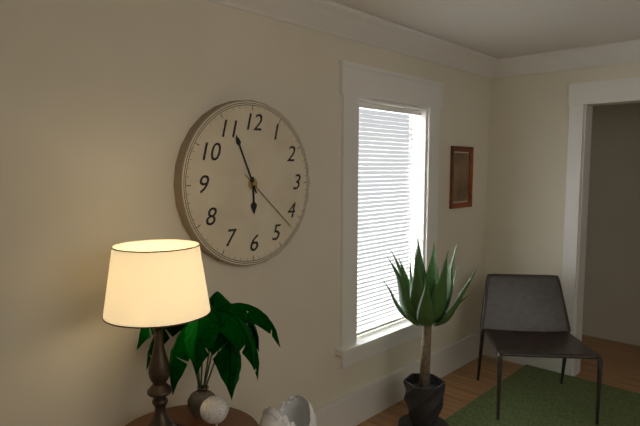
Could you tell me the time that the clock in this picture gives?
5:56:22
